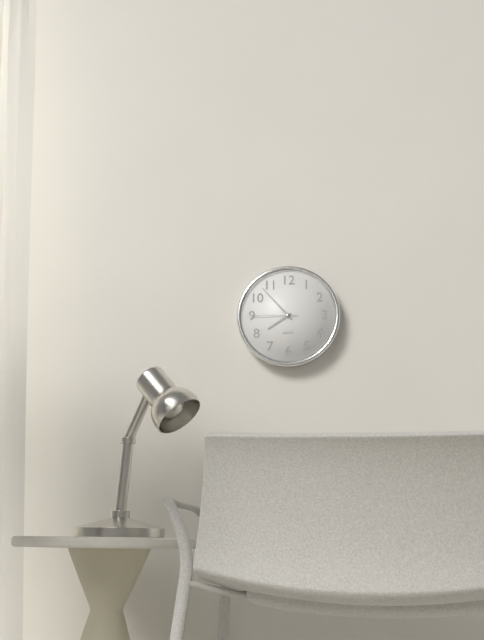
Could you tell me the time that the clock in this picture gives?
7:53:45
